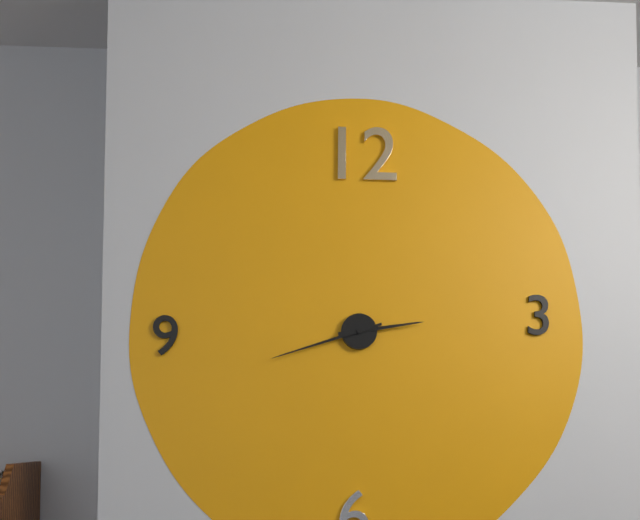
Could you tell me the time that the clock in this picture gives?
2:42
